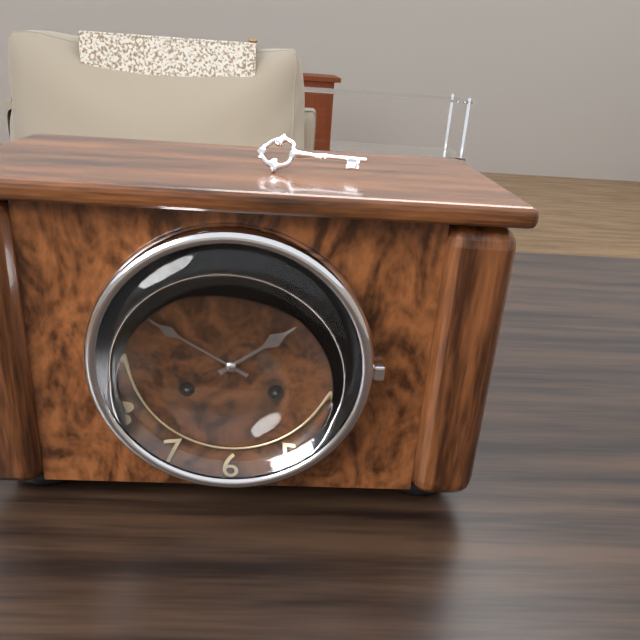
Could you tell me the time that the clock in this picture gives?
1:50
